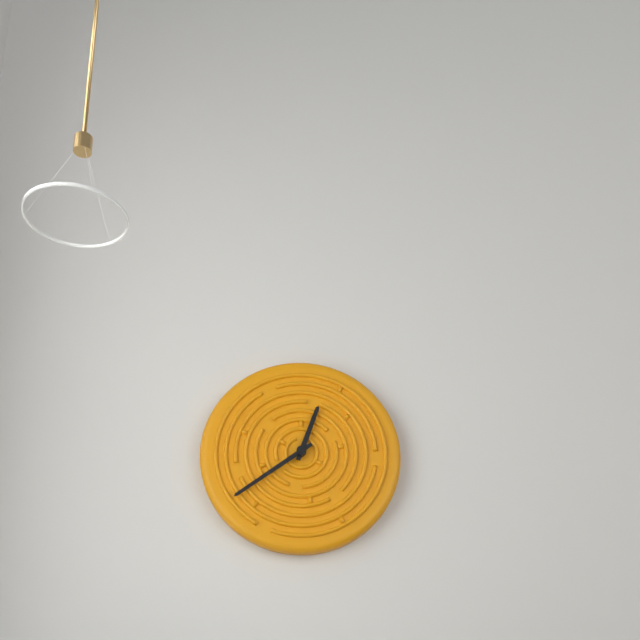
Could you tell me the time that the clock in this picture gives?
12:39
